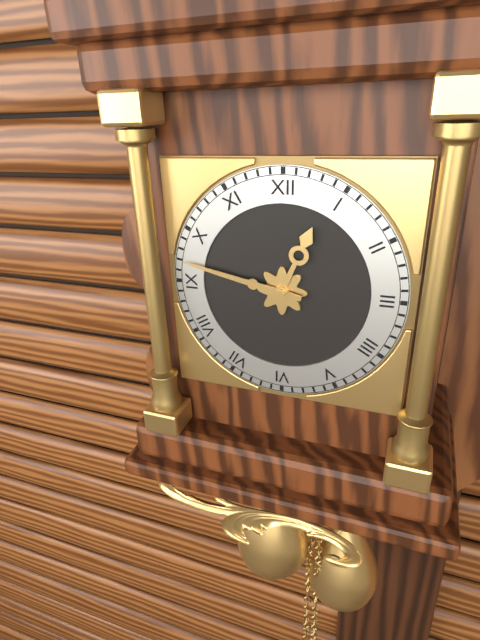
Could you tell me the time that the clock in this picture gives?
12:47
